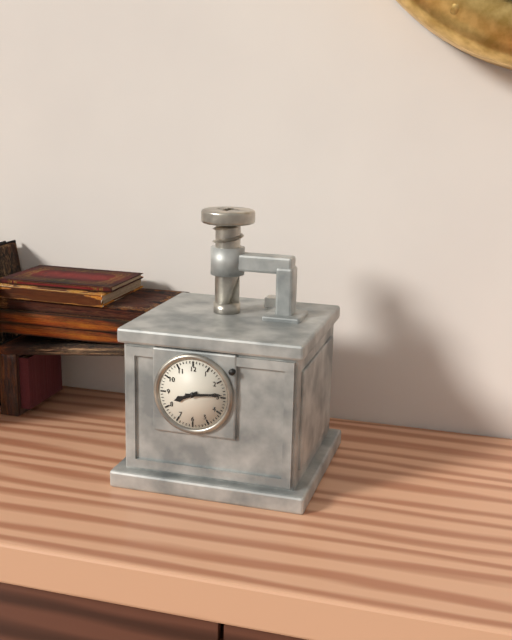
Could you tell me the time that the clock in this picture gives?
8:14
